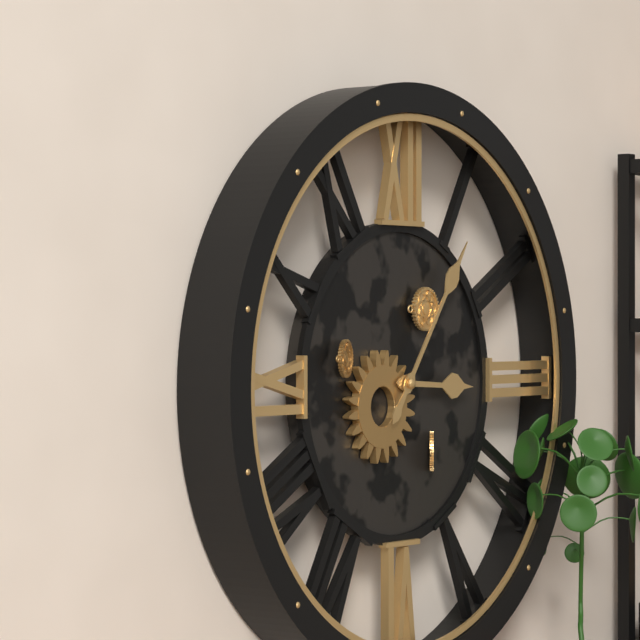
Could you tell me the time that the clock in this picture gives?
3:06
